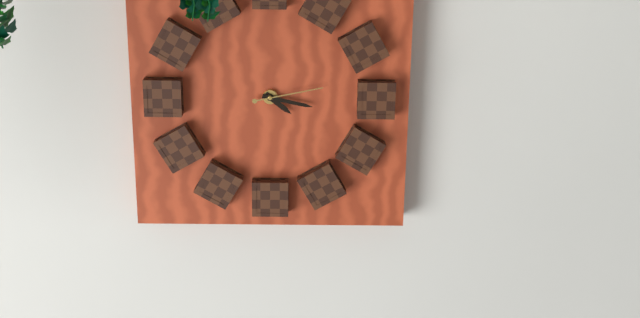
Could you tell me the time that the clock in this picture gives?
4:17:13
